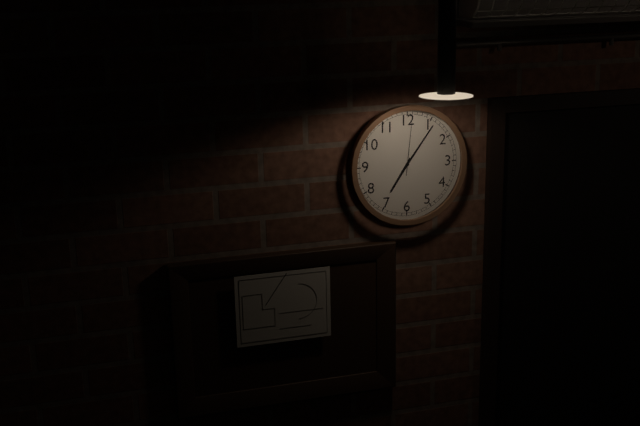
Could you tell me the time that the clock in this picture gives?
7:06:01
